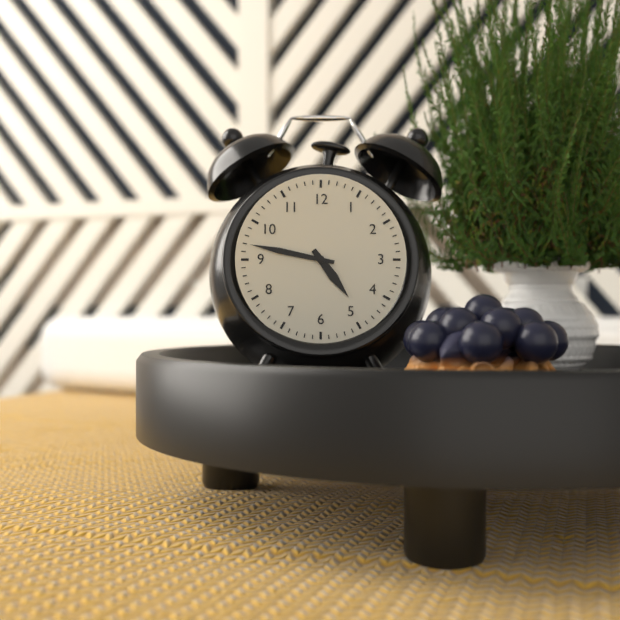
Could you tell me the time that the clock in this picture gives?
4:47
